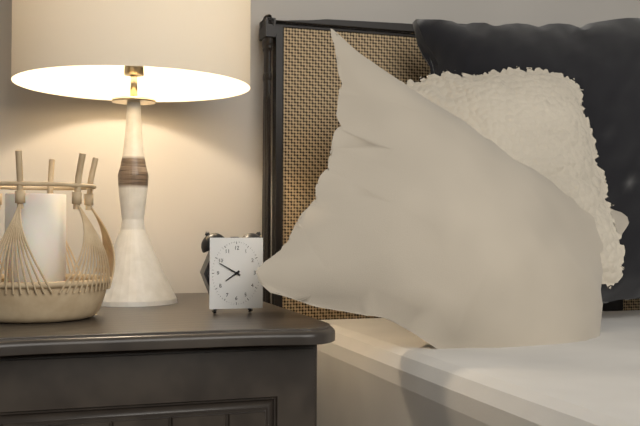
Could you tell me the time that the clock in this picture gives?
7:50
